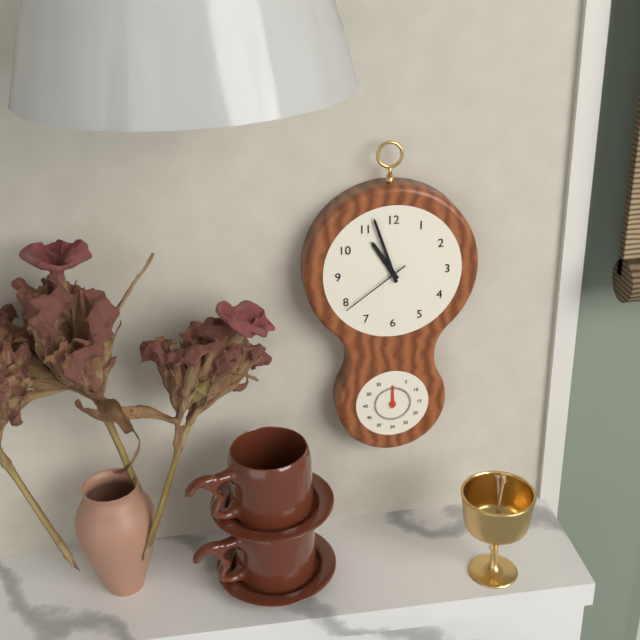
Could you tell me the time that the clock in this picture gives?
10:57:39
